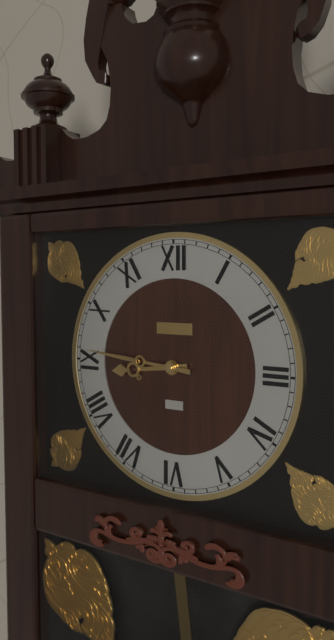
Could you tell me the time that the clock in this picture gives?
8:46
